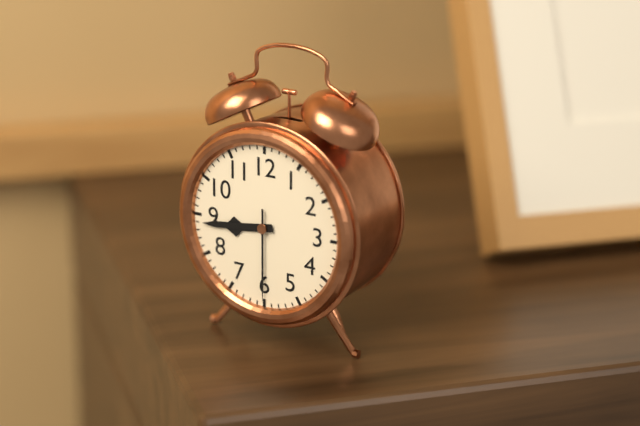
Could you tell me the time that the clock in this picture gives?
8:44:30
